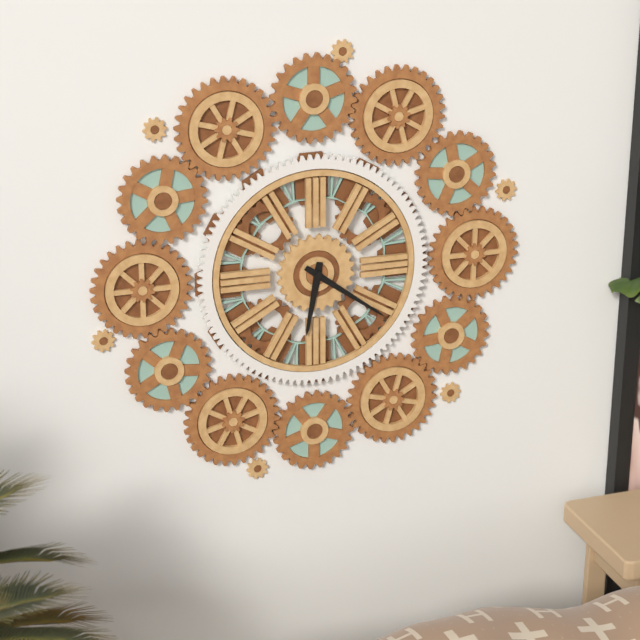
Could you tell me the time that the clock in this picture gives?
6:21
